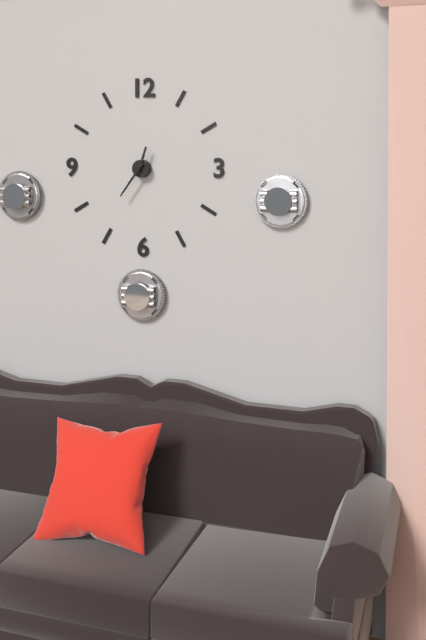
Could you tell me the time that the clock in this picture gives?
12:36
